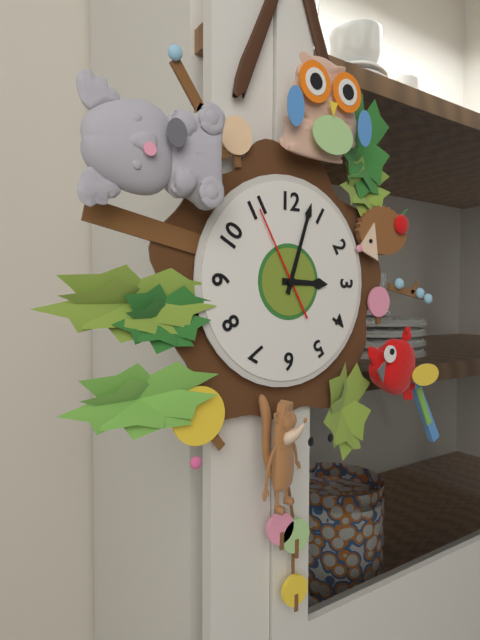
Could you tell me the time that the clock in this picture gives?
3:03:55
